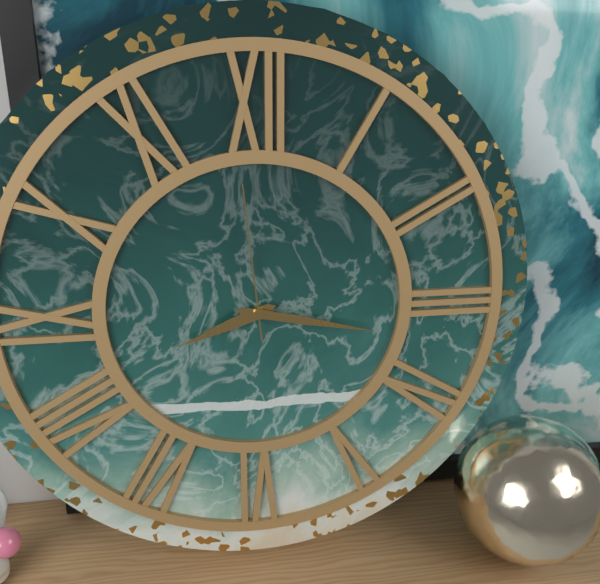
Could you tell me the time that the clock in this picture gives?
8:17:59
